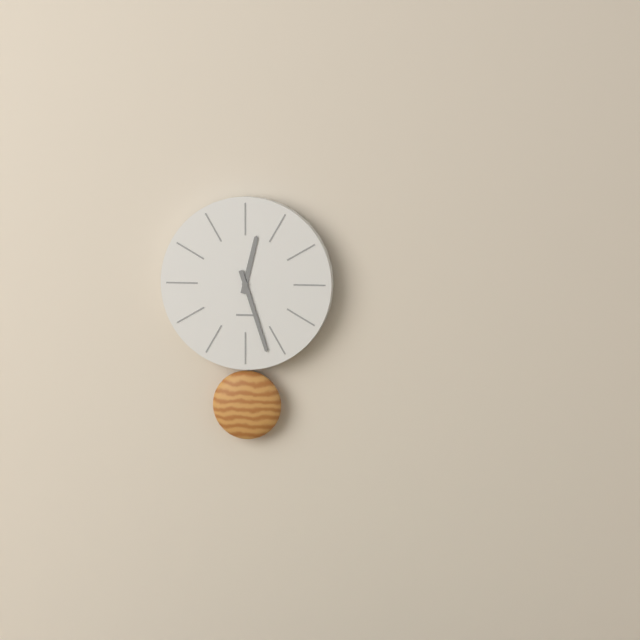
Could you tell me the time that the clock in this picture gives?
12:27
